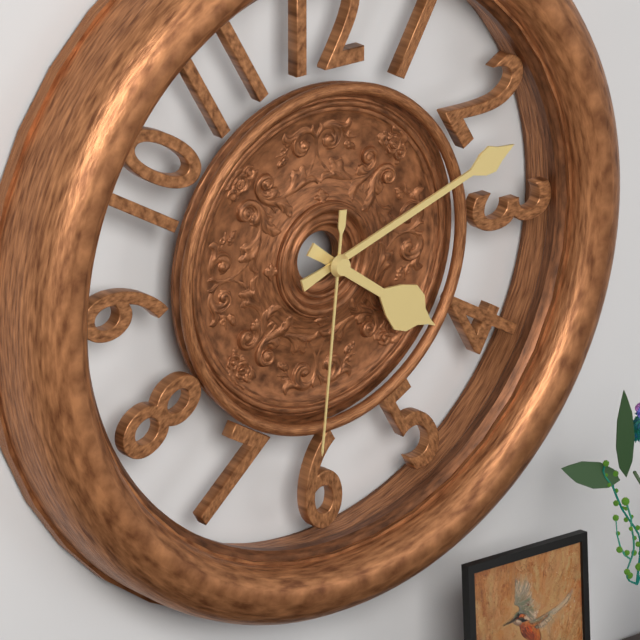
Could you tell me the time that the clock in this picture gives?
4:12:31
